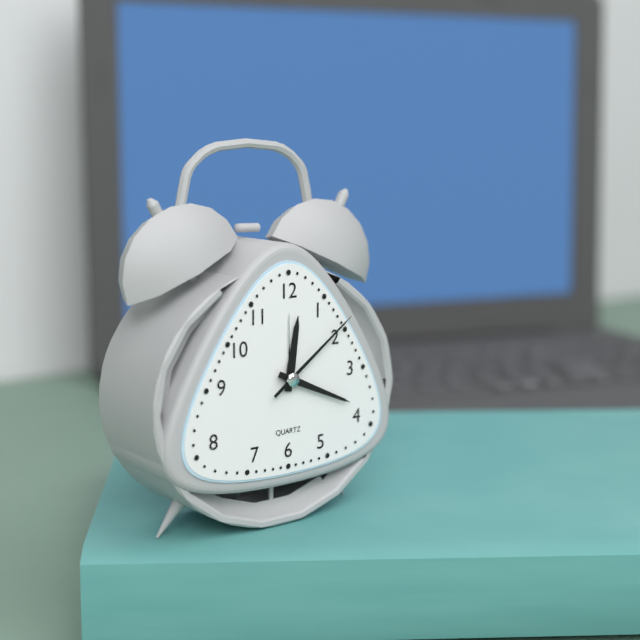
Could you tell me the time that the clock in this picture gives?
12:19:09
